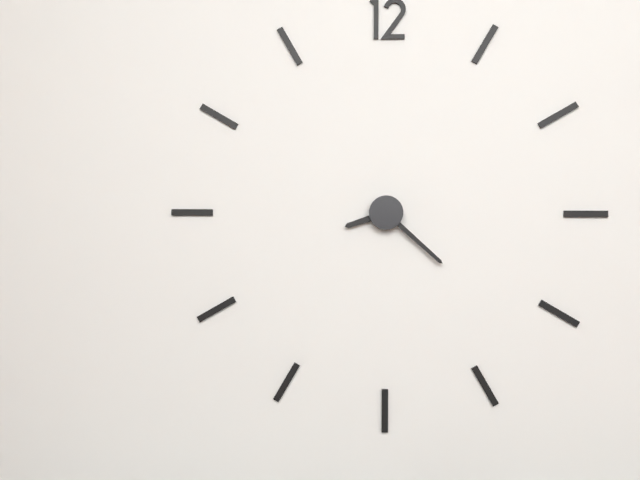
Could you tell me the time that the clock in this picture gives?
8:22
